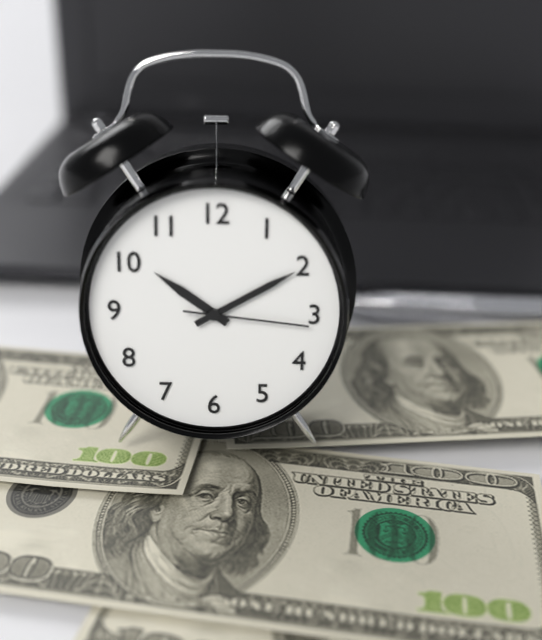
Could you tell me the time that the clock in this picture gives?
10:10:16
